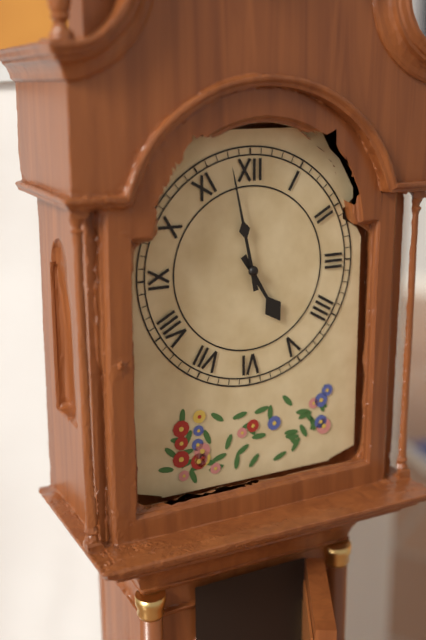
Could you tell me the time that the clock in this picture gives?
4:58
